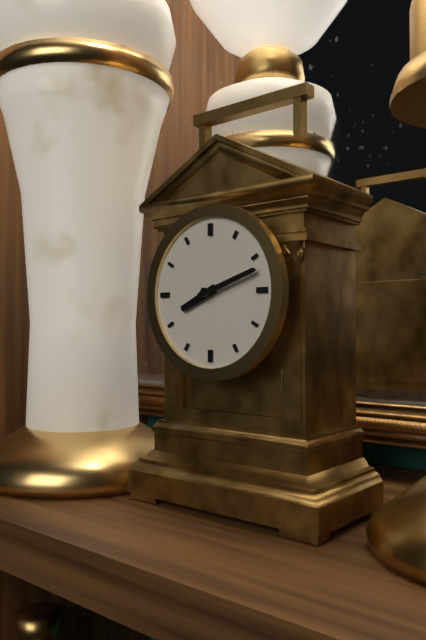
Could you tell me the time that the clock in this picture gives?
8:12
